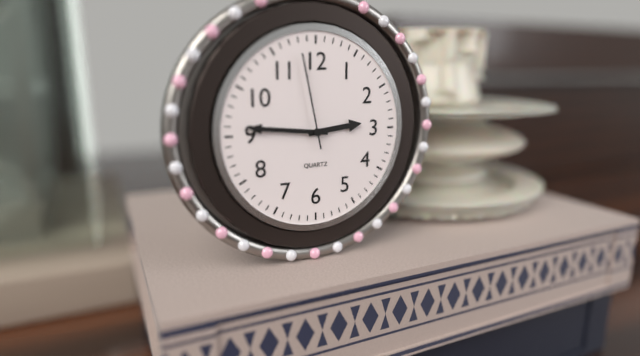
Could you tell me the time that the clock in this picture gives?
2:46:58
